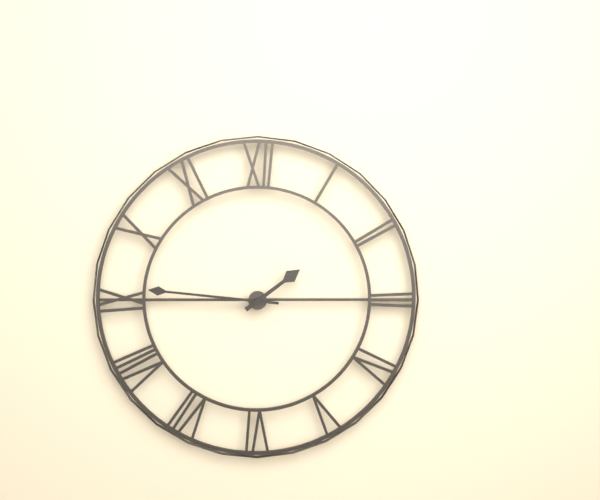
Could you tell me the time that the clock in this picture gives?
1:46
